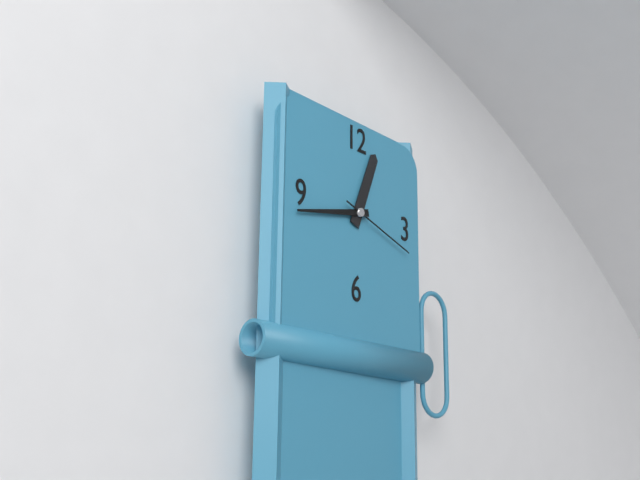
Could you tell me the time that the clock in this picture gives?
12:43:18
